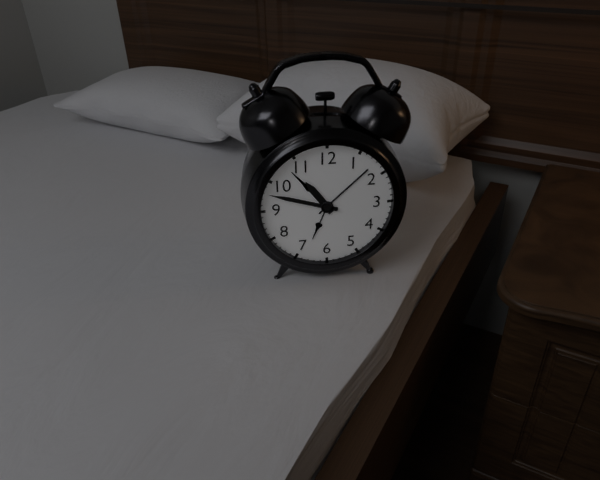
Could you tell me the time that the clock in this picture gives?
10:48
